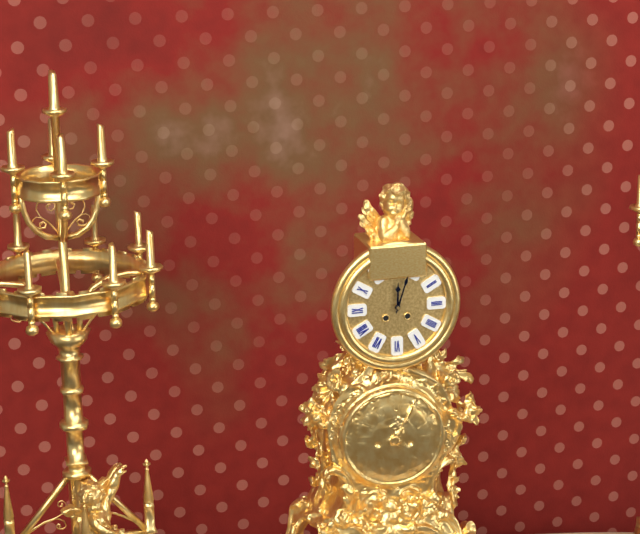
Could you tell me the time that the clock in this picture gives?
12:03
